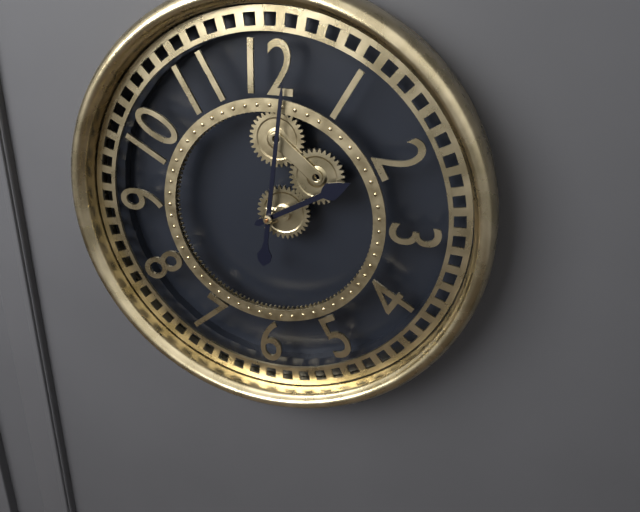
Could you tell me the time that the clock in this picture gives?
2:01
